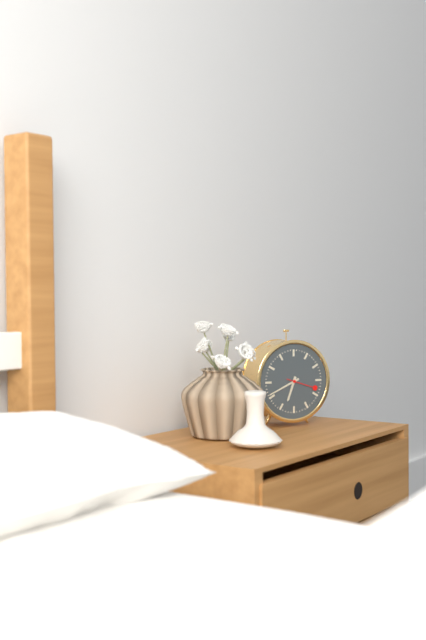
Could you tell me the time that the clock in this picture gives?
6:41
